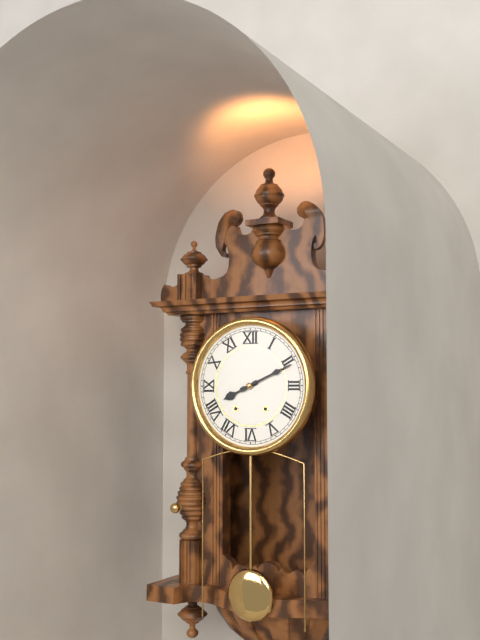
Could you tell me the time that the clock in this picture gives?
8:11
